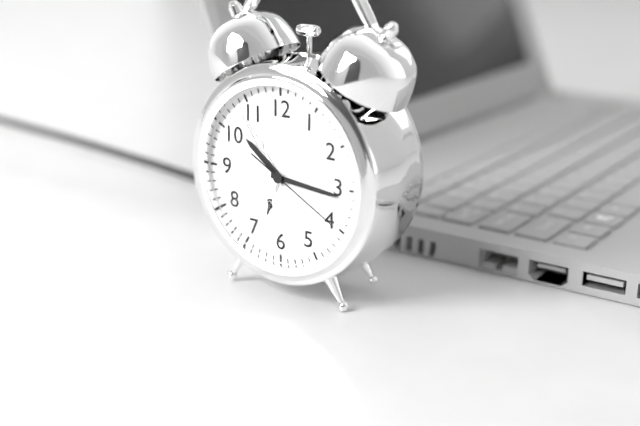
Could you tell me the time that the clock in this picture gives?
10:16:20
